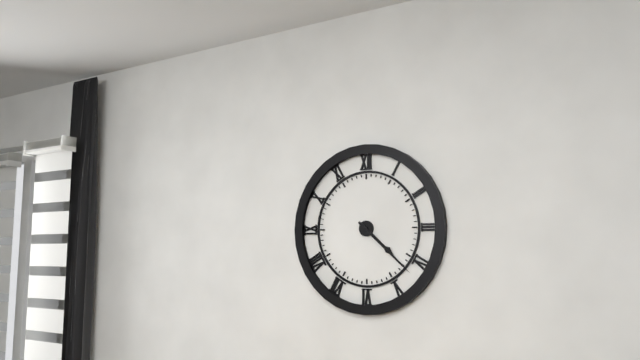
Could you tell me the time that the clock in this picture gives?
4:22
